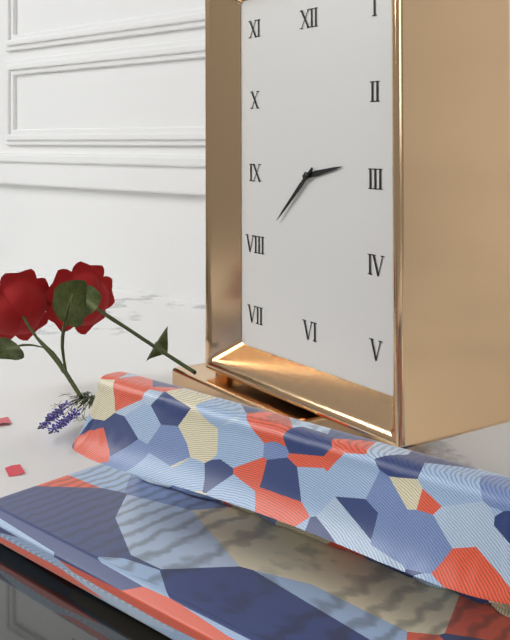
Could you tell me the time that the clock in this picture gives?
2:38
